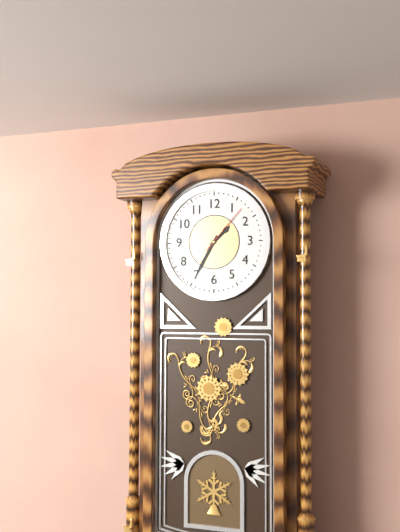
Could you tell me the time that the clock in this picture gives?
1:35
